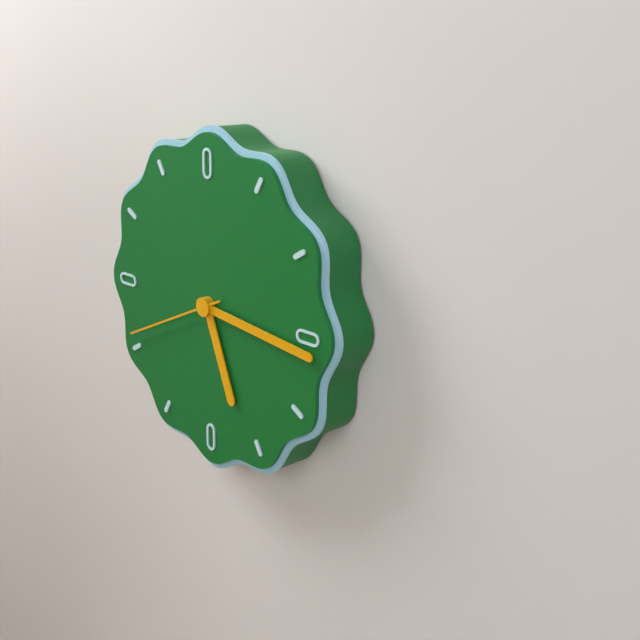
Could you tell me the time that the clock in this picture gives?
5:16:41
